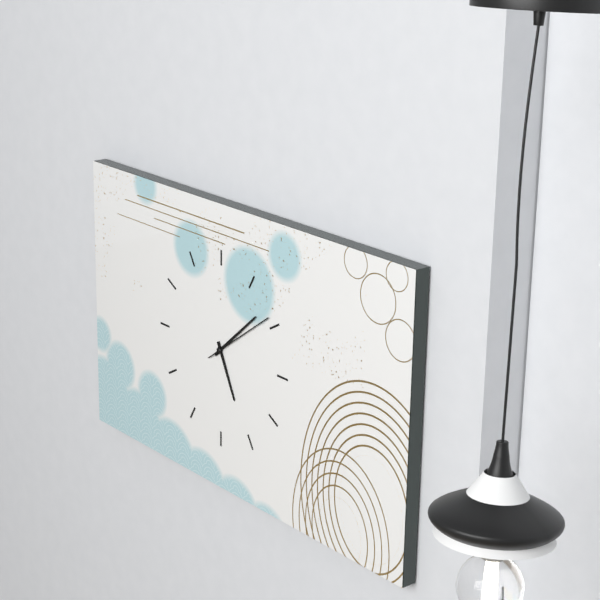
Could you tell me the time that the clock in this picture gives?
5:08:09
